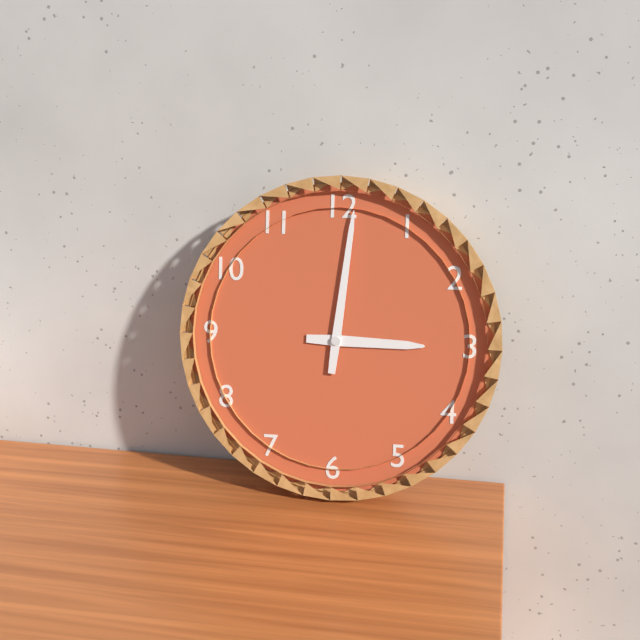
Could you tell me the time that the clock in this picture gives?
3:01
